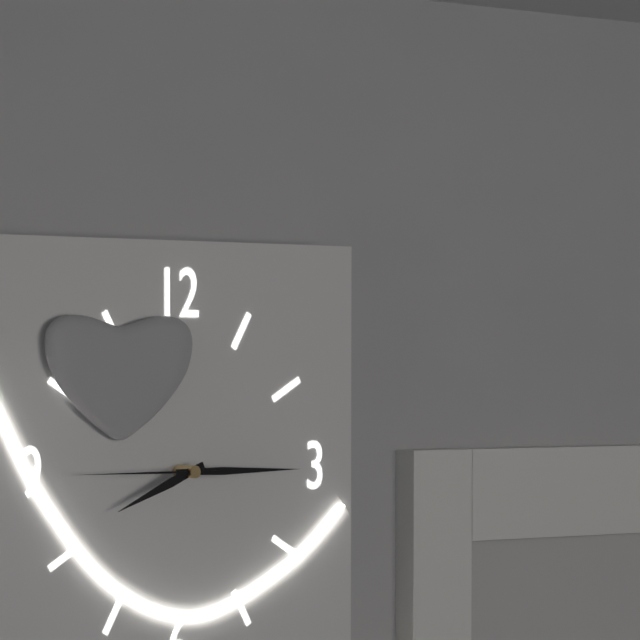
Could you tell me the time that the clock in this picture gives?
8:15:45
